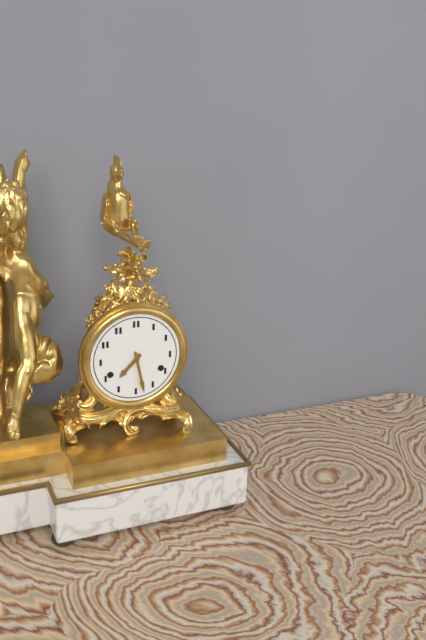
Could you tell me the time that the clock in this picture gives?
7:28
